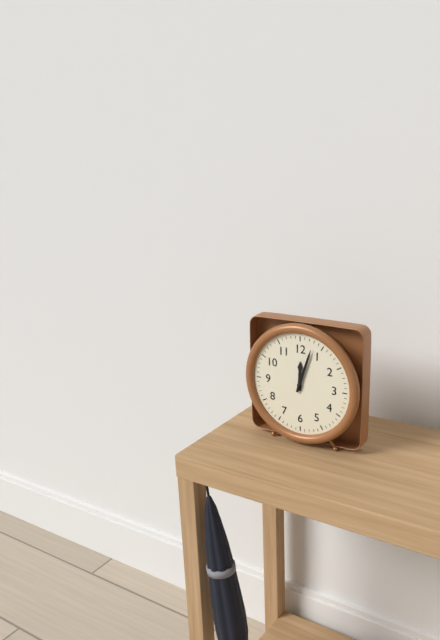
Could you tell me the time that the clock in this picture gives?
12:03
